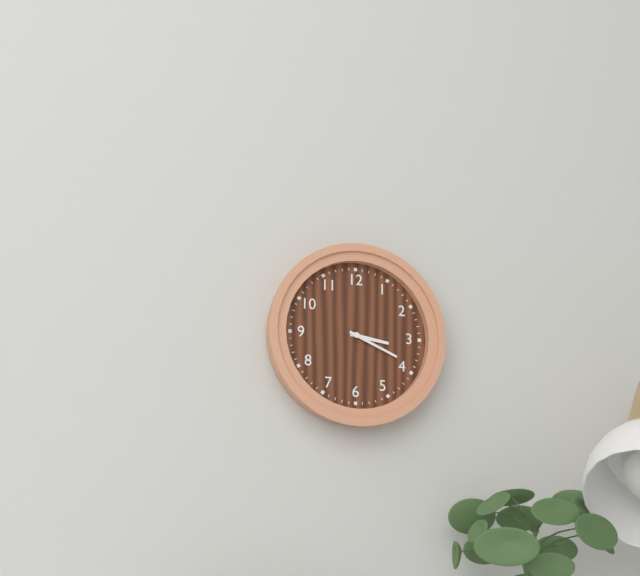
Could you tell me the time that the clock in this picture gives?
3:19
